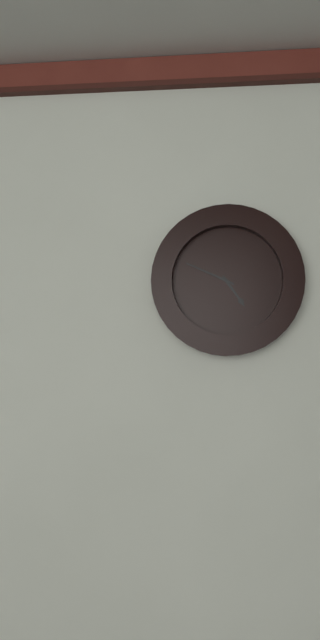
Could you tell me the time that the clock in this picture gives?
4:49
